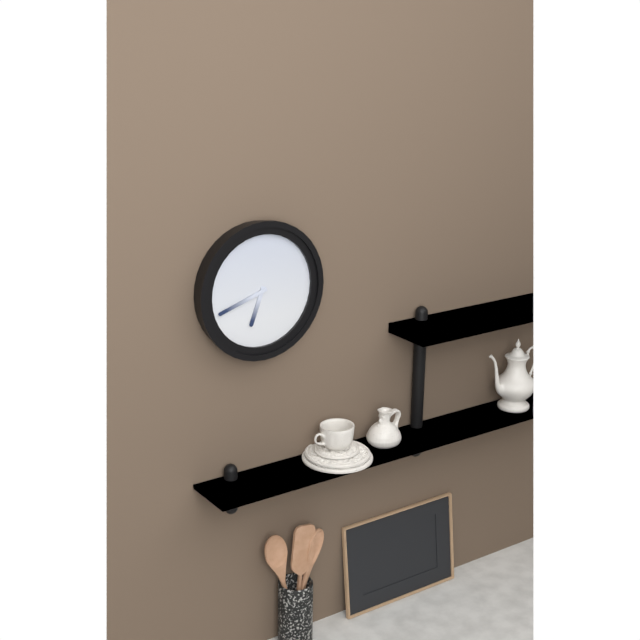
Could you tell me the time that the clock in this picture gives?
6:42
